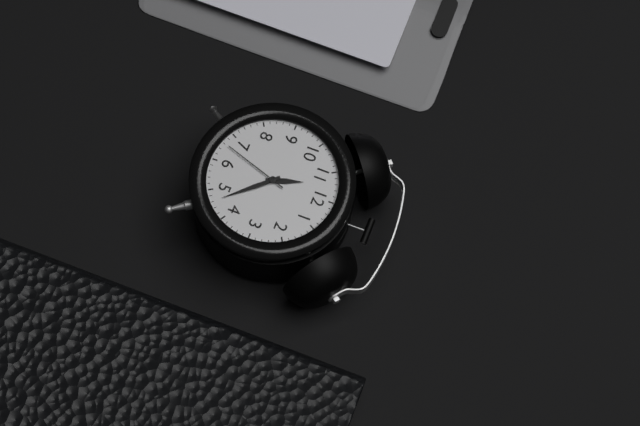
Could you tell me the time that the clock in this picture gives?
11:23:33
